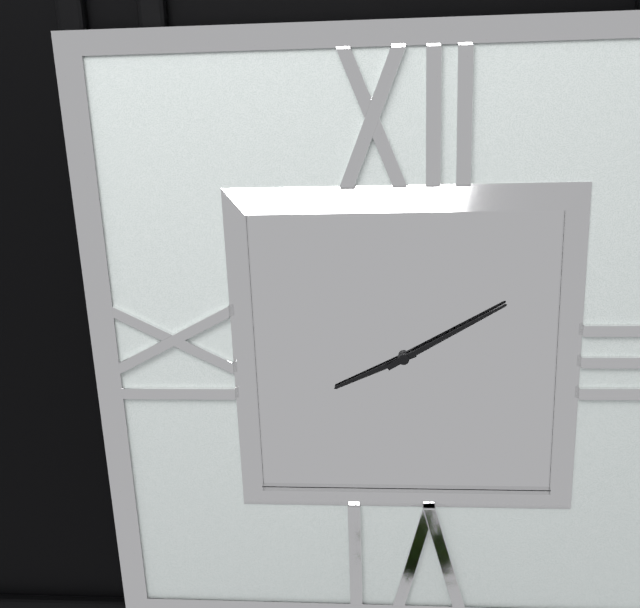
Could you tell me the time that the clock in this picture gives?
8:10
